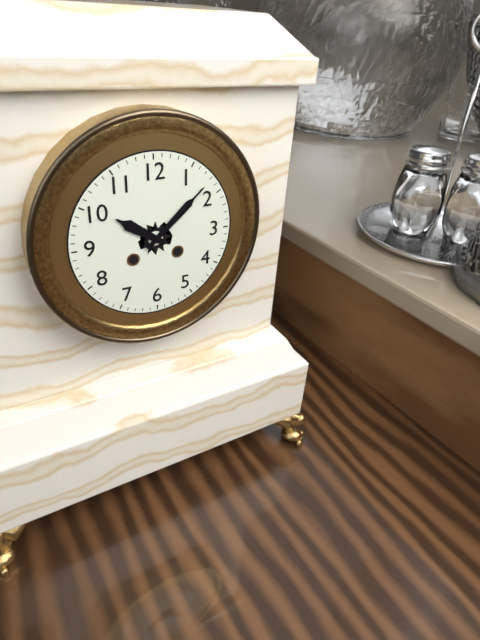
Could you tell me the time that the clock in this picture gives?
10:08
